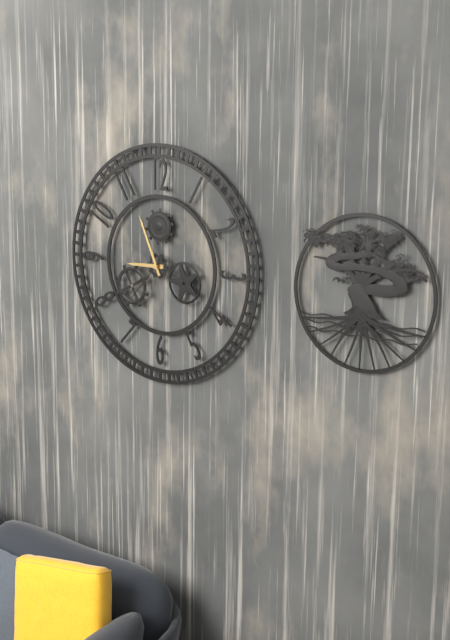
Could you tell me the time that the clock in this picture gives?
8:56:37
